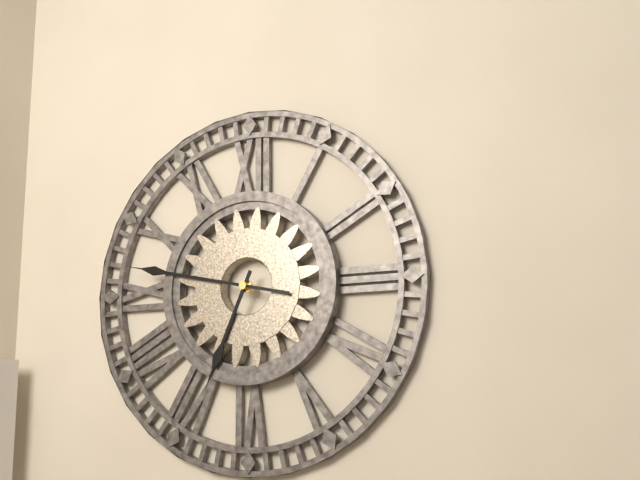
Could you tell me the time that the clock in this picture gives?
6:47
